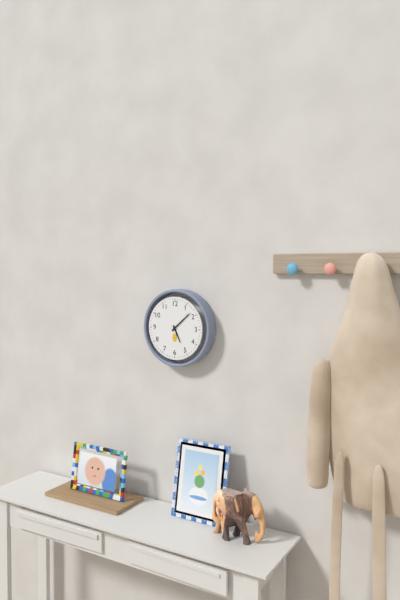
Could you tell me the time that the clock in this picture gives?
5:08
